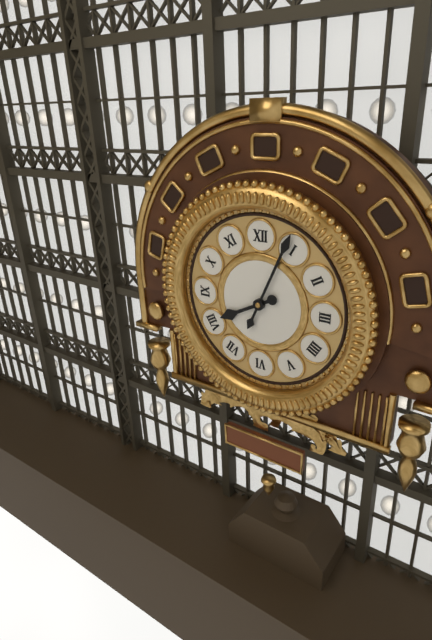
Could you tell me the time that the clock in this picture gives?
8:04
